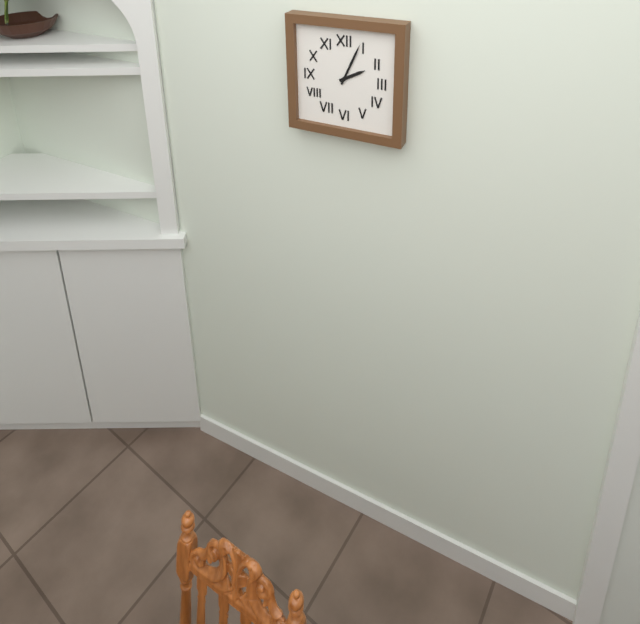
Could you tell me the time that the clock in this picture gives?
2:04
